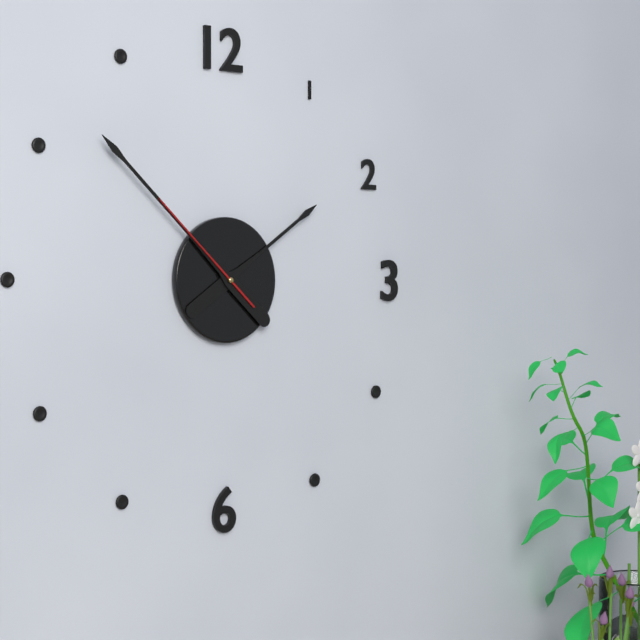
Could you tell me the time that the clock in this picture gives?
1:52:52
